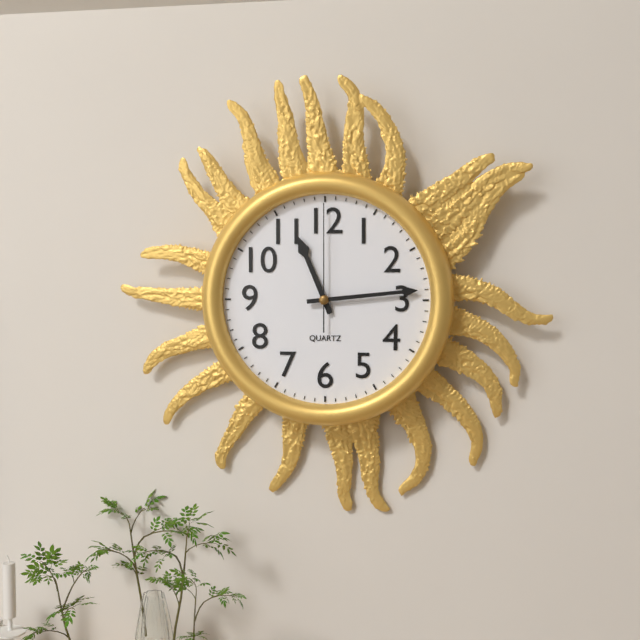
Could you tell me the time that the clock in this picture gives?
11:14:00
